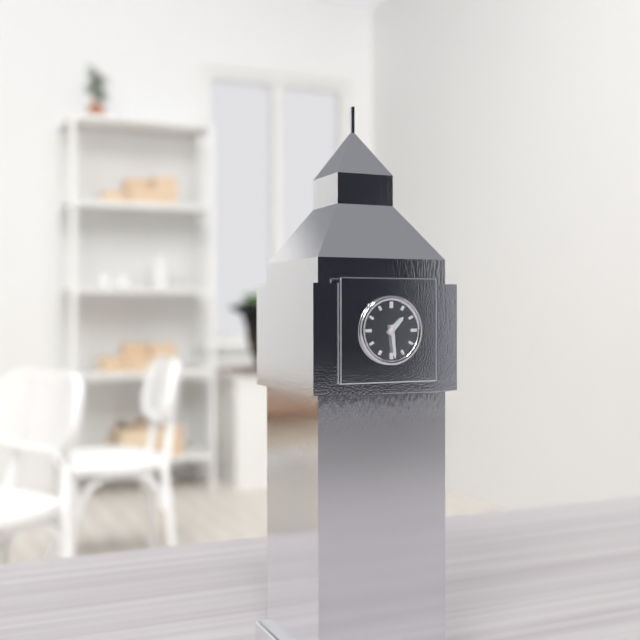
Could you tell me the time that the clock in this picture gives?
1:29
